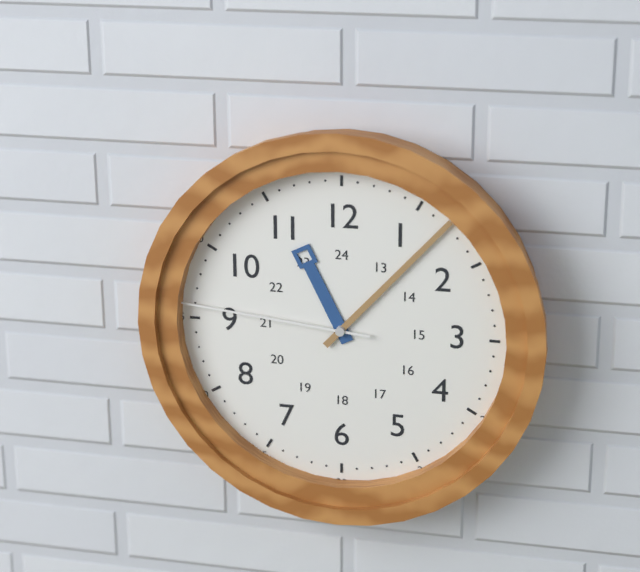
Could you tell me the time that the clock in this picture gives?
11:07:46
